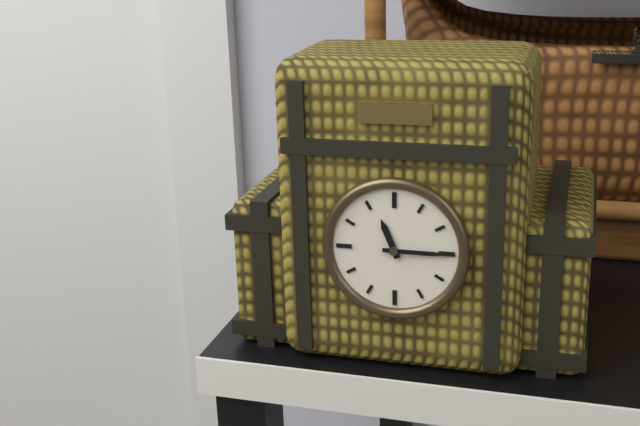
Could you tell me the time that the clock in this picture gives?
11:15
